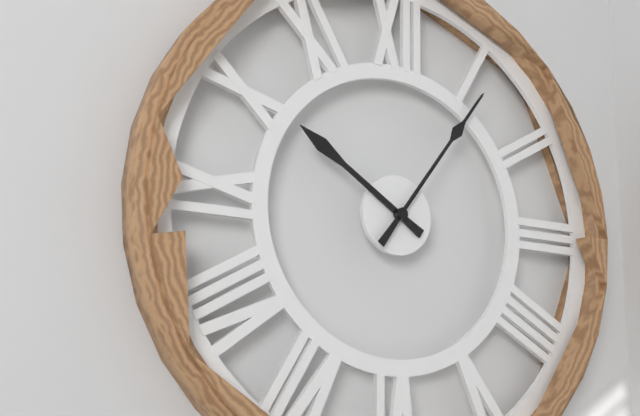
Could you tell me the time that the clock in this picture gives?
10:06
